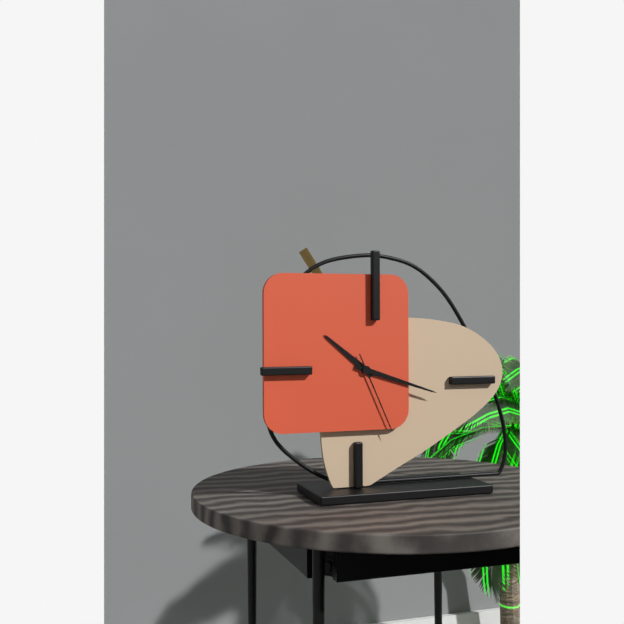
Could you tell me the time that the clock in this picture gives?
10:18:26
